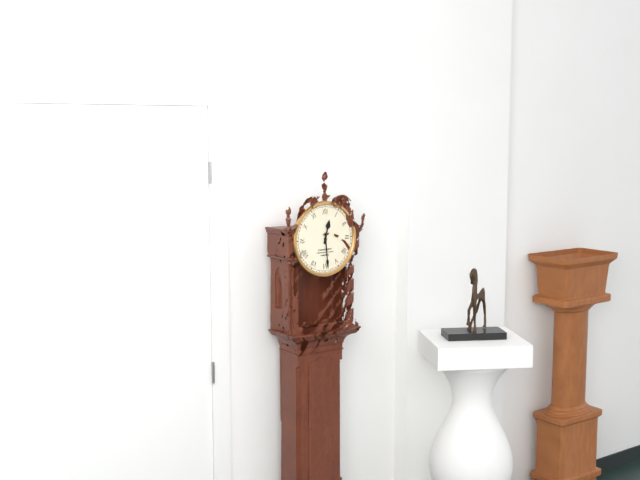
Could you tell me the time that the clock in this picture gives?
12:29
